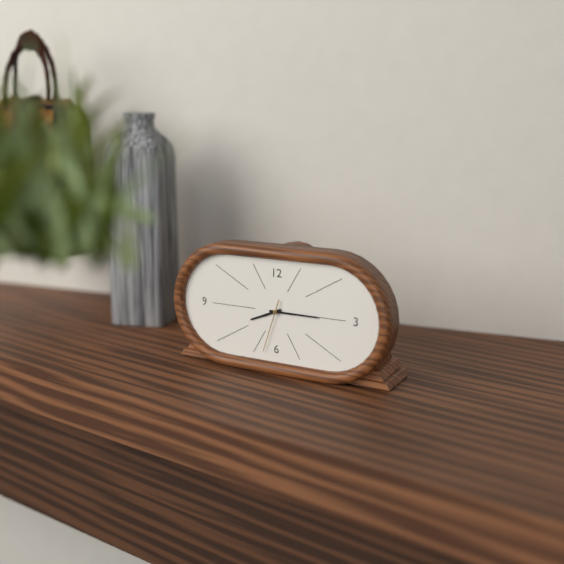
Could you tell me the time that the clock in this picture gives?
8:15:33
